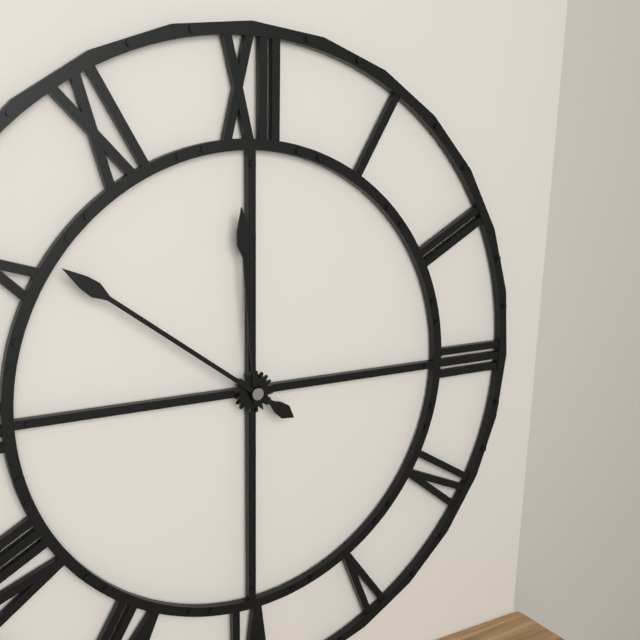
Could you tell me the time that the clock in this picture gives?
11:51
